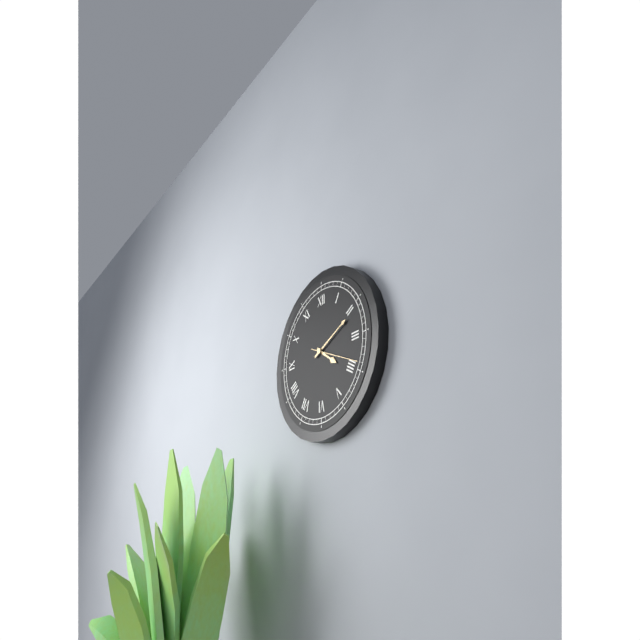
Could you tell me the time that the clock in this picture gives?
4:11
